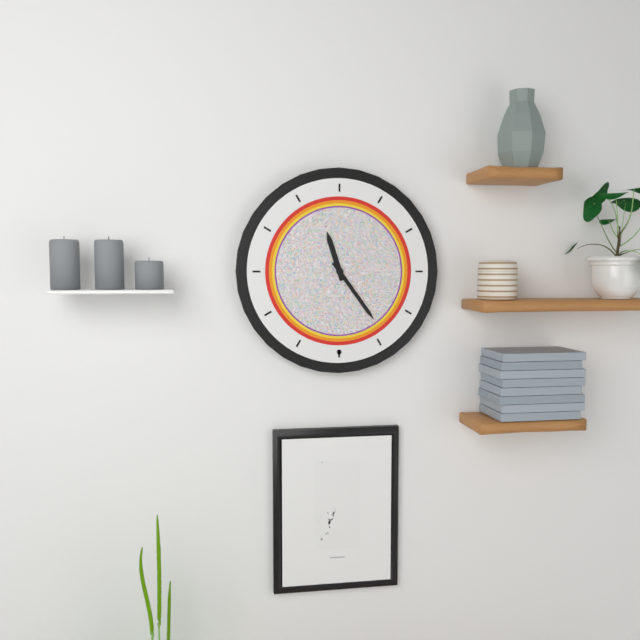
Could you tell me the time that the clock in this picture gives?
11:24
